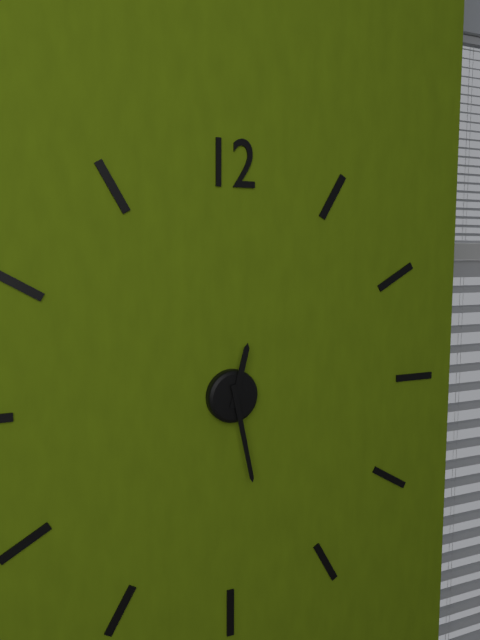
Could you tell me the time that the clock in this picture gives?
12:28
